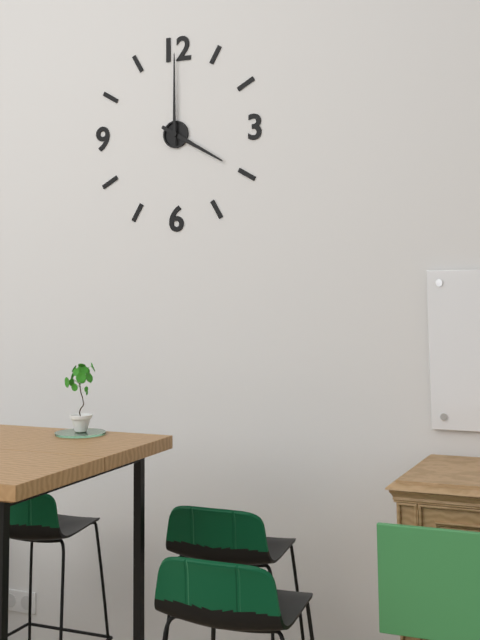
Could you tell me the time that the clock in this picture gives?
4:00
